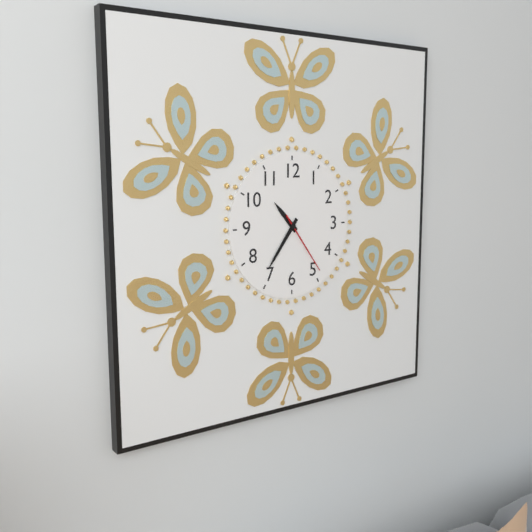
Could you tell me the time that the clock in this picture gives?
10:36:24
